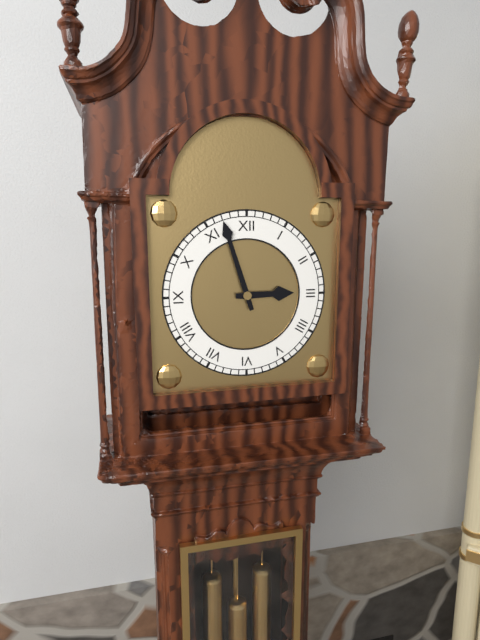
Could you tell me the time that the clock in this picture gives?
2:57
